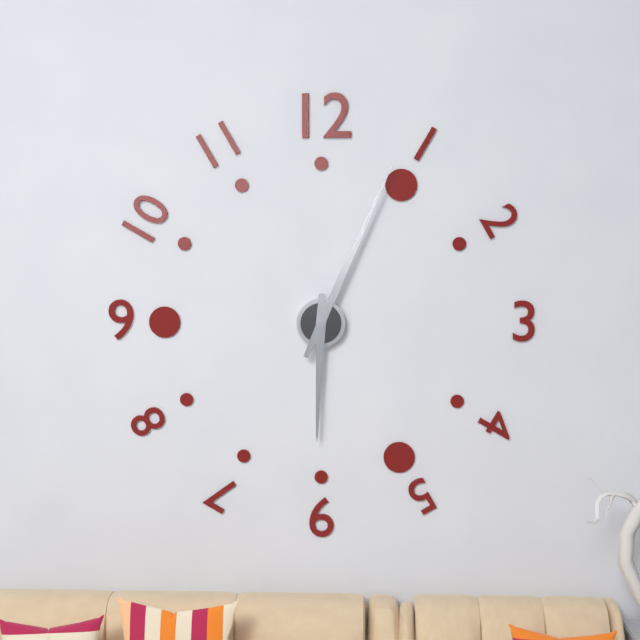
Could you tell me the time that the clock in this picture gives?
6:04
